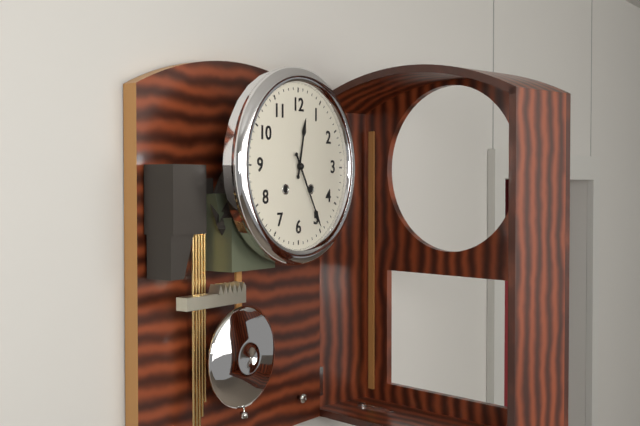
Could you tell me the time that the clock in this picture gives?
12:25
